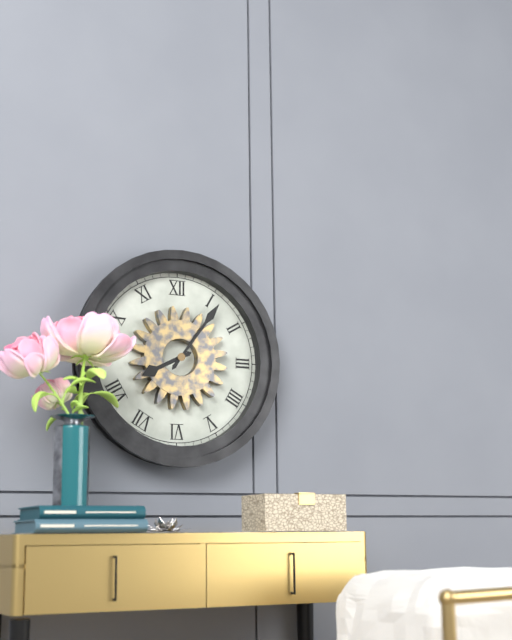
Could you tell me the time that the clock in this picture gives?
8:06
